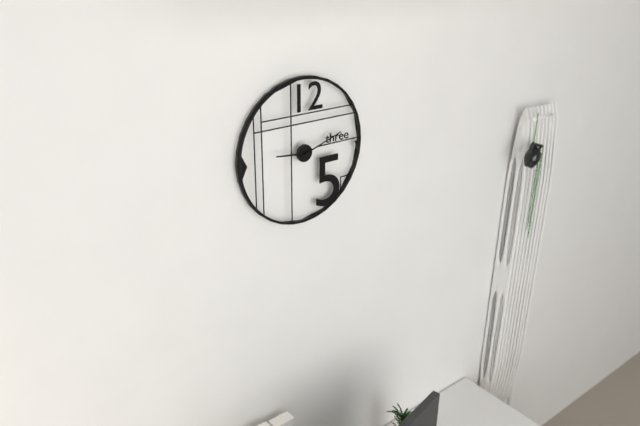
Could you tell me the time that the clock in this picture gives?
9:12
